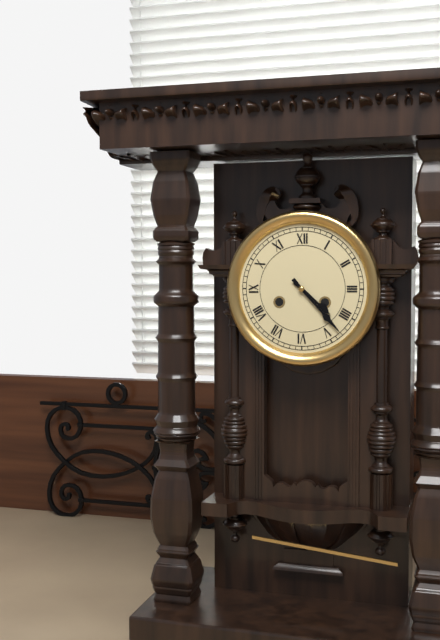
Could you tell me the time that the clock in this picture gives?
4:23
